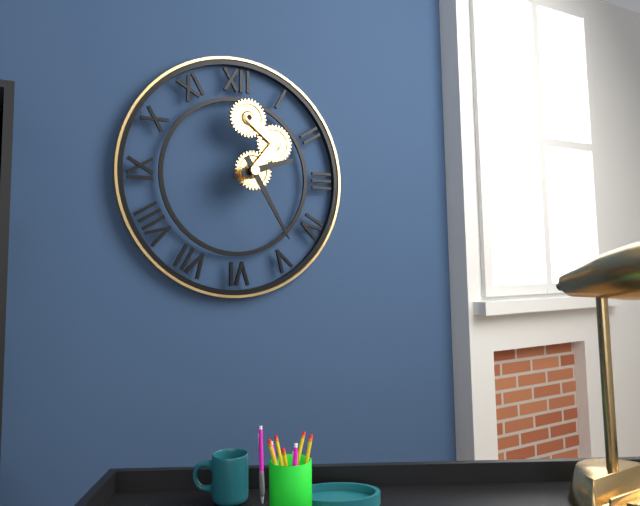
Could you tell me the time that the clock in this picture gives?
2:25
